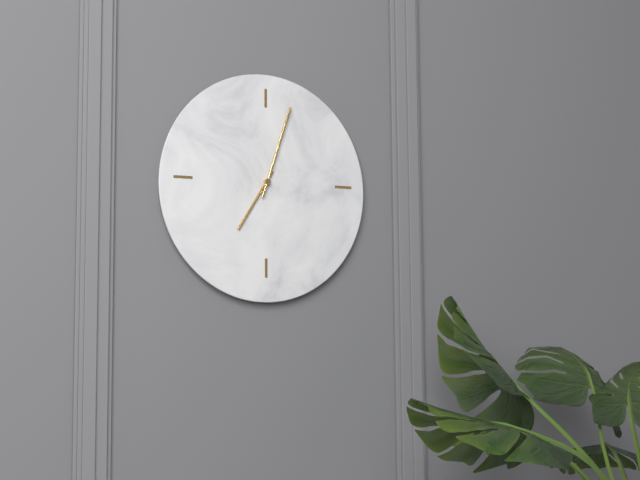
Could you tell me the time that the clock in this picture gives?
7:03
